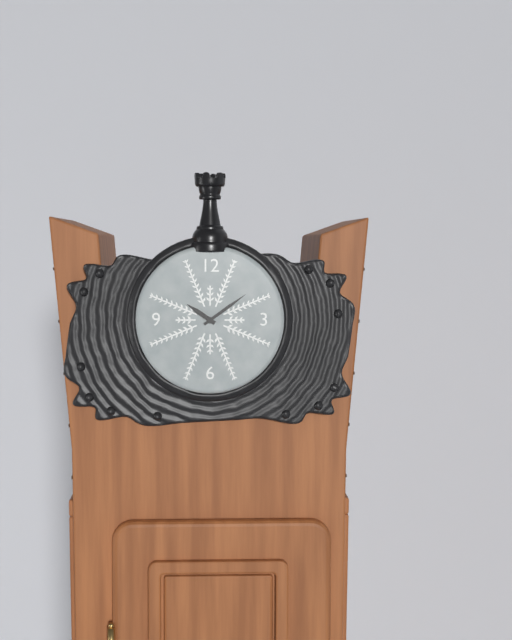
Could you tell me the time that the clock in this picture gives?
10:09
